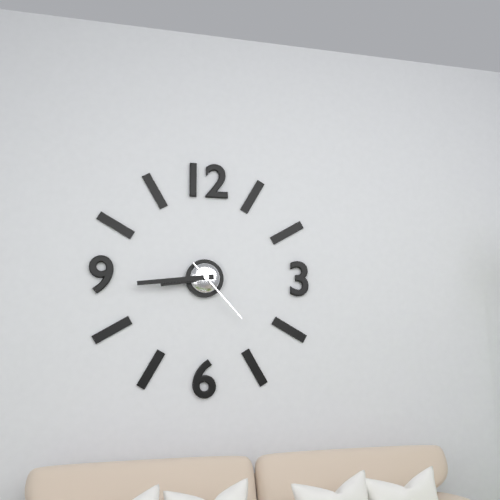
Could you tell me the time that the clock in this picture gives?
8:44:23
